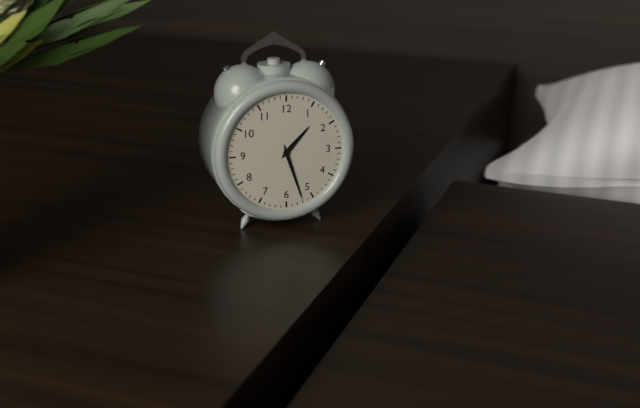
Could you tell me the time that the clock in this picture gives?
1:27
